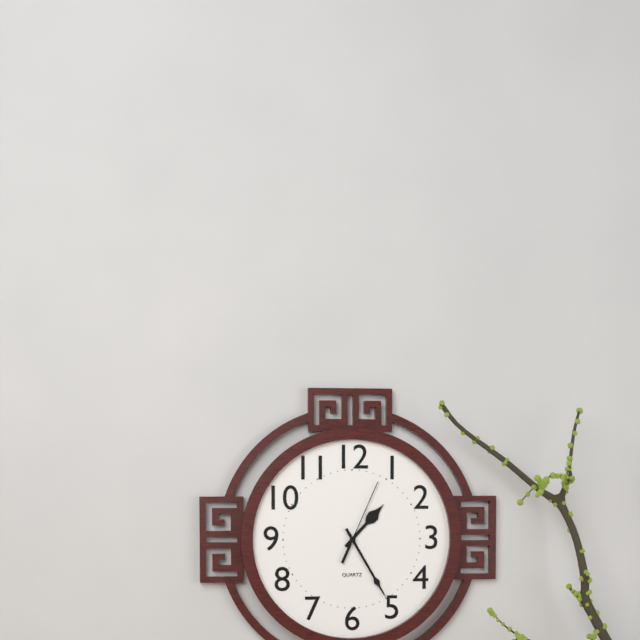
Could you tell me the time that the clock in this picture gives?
1:25:04
